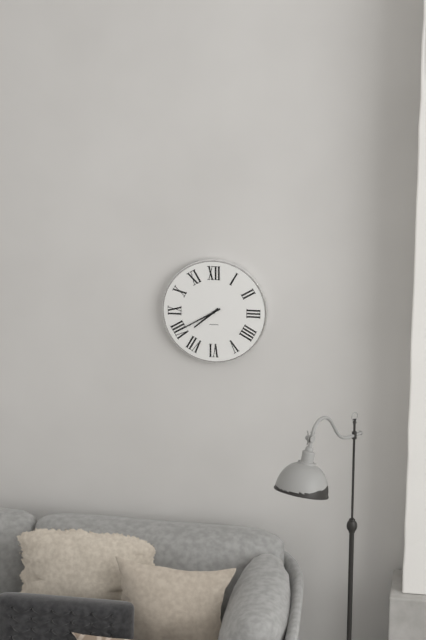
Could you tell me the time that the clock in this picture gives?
7:40
